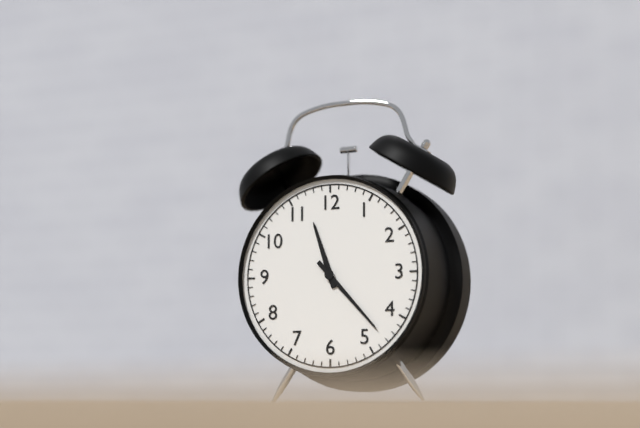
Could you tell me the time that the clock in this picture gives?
11:23
